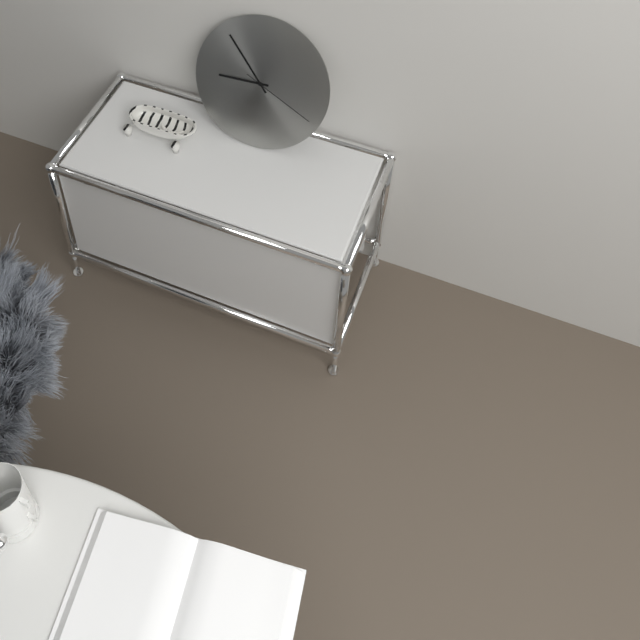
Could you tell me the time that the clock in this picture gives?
8:53:19
